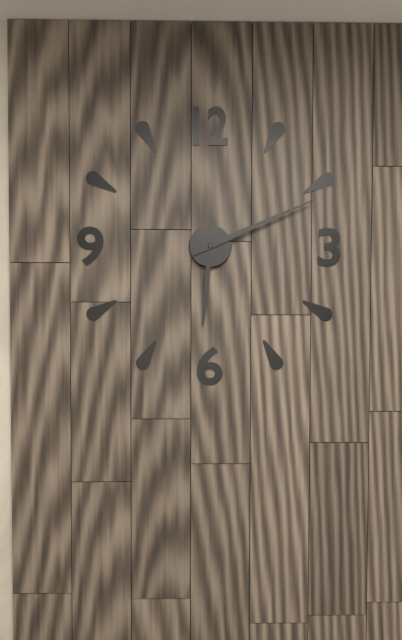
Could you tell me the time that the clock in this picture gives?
6:11
